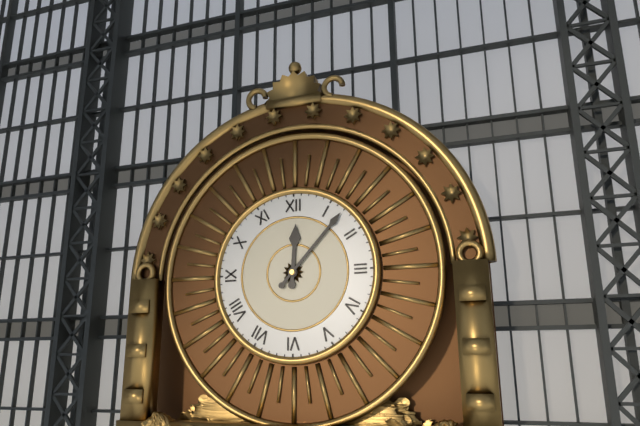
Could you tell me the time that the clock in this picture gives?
12:07
